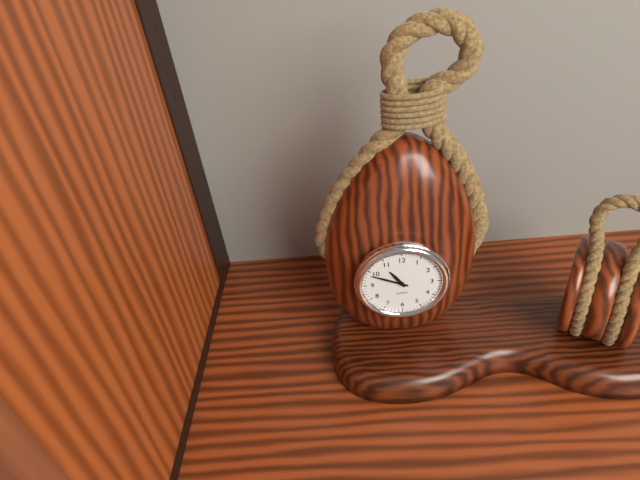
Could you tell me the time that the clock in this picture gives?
10:49
